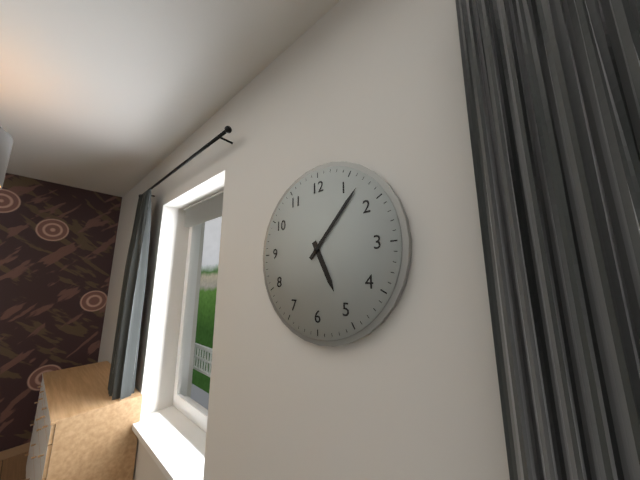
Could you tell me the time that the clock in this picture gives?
5:07
